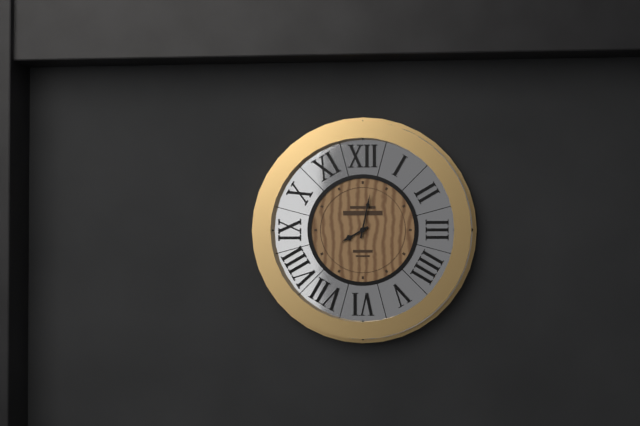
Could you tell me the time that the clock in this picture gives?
8:02
